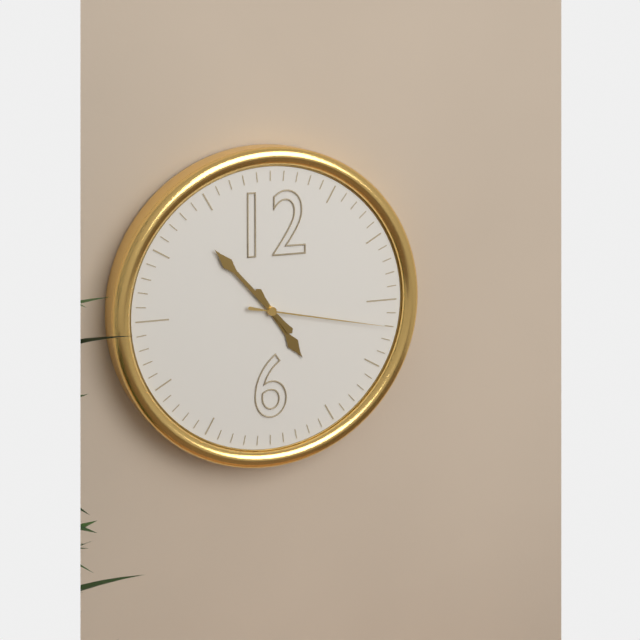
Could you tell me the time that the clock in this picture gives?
4:53:17
